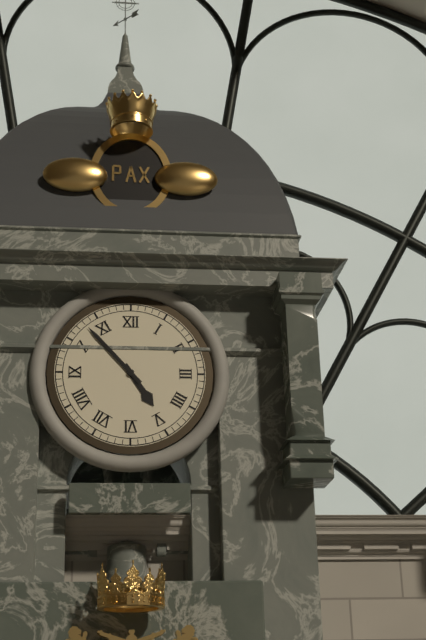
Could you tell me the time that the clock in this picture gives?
4:53
